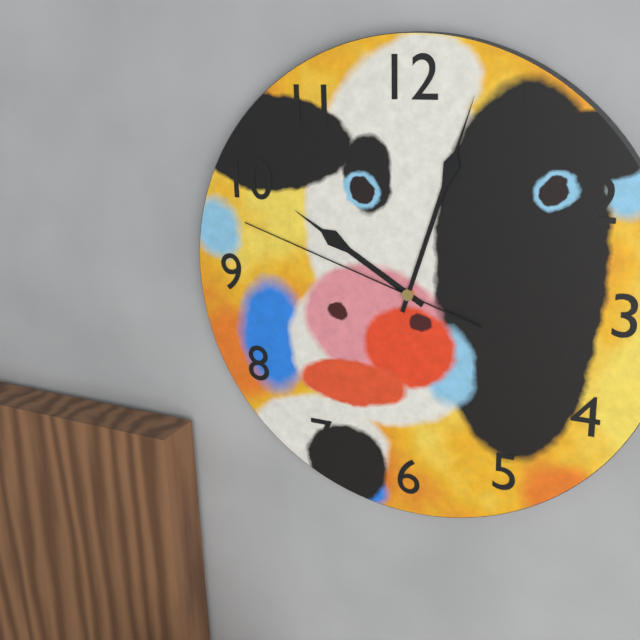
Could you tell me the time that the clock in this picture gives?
10:03:48
